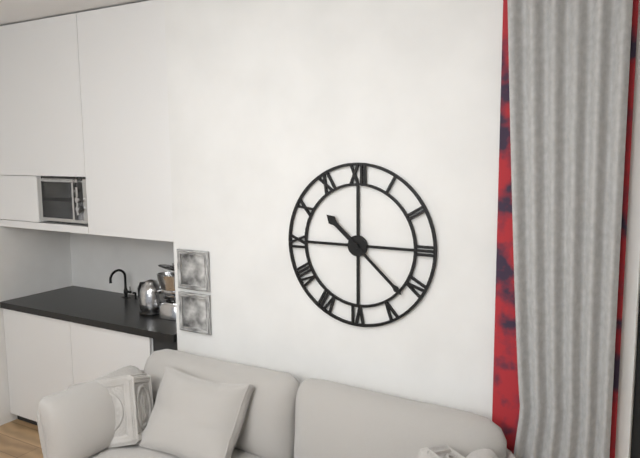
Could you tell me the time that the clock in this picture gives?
10:22
